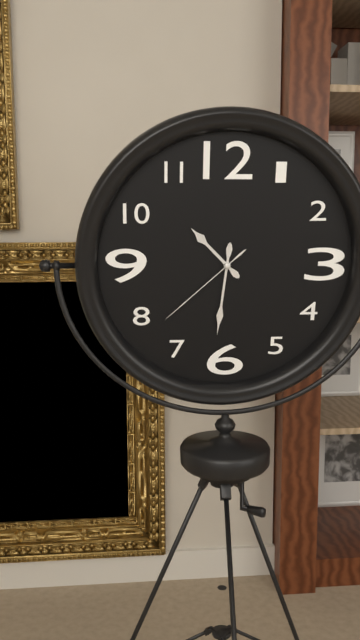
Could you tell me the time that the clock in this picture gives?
10:31:38
